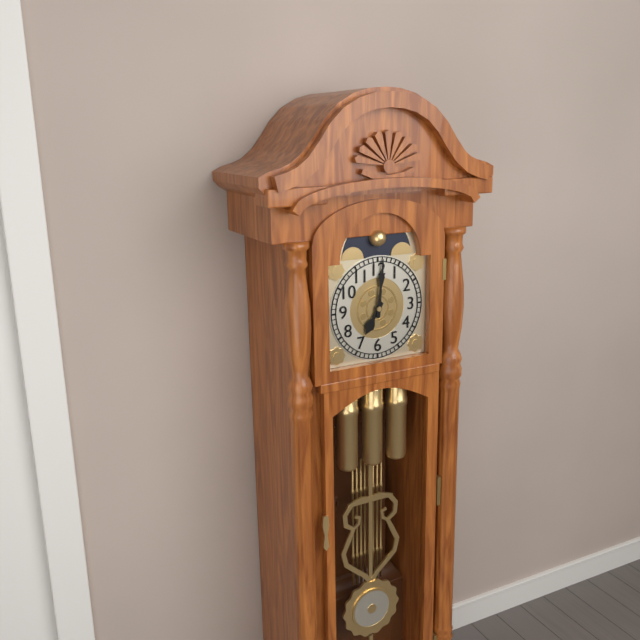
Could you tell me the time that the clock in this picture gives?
7:01
